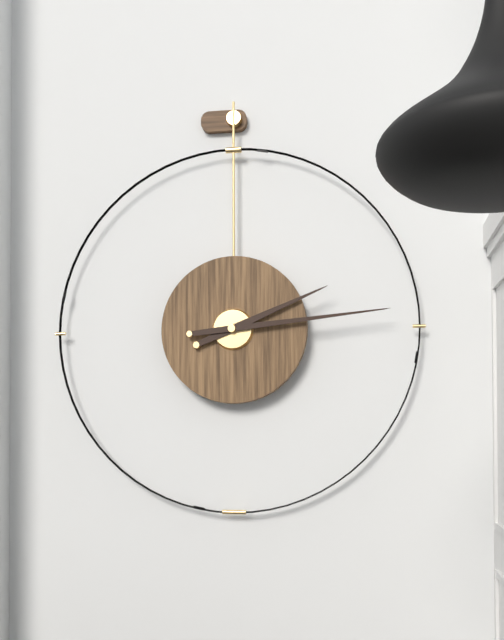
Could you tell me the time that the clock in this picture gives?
2:14
